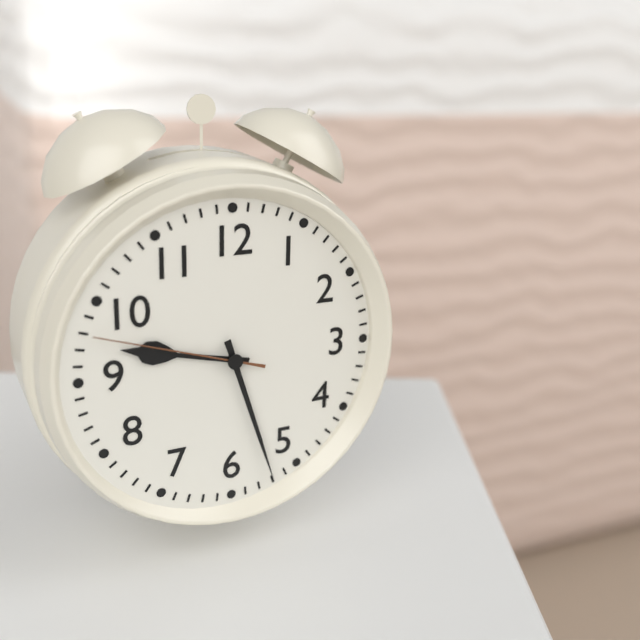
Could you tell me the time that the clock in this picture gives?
9:27:48
